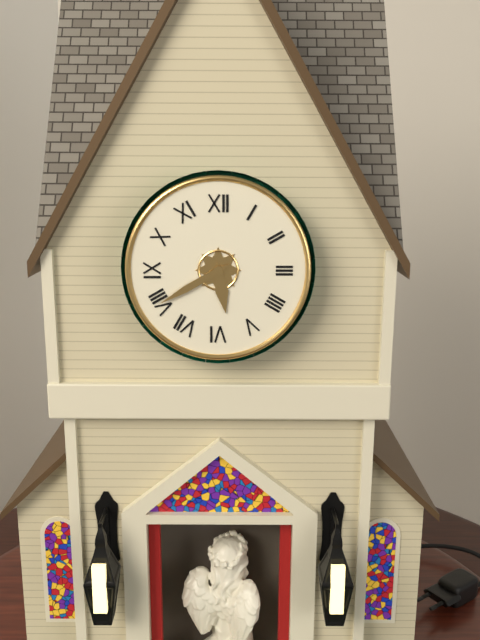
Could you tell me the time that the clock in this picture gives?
5:40
